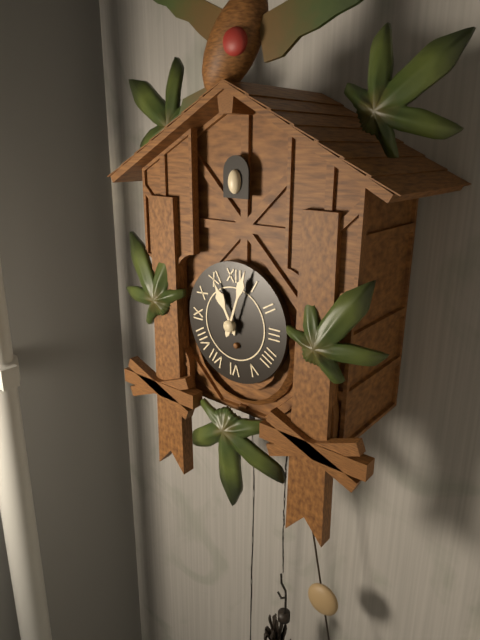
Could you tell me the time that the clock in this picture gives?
11:03
